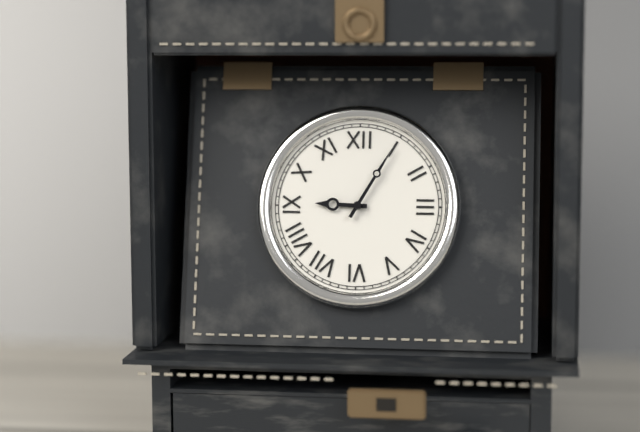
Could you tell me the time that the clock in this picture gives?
9:05
